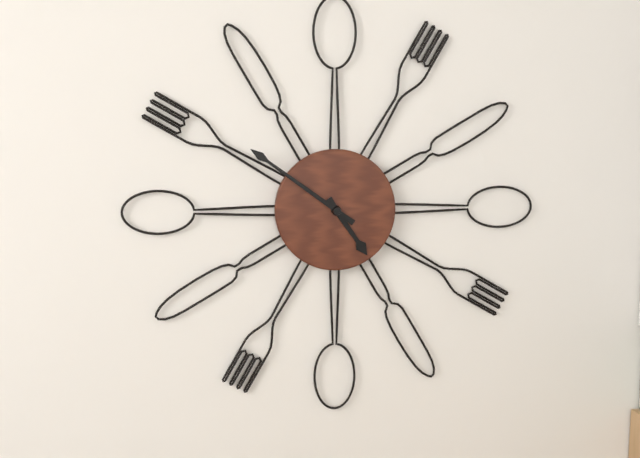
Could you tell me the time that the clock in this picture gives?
4:51
